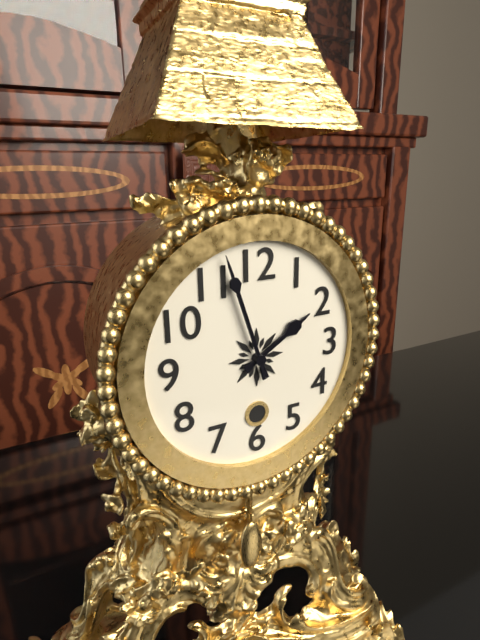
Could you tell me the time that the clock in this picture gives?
1:57
